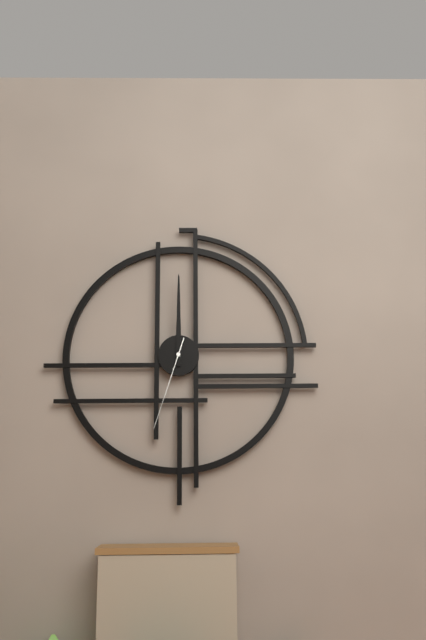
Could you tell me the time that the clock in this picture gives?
12:00:33
